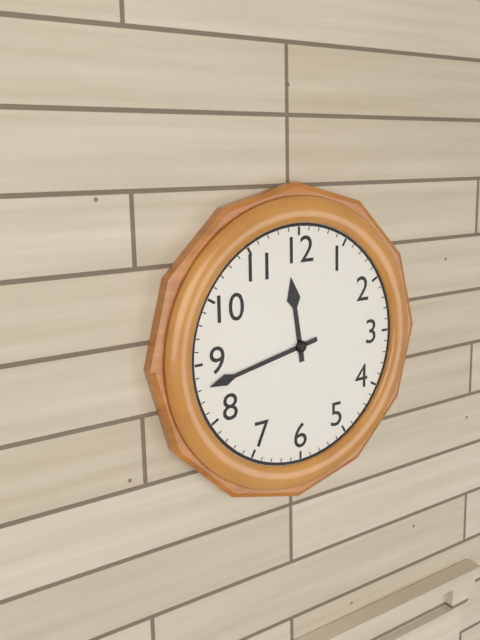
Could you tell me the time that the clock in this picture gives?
11:43
